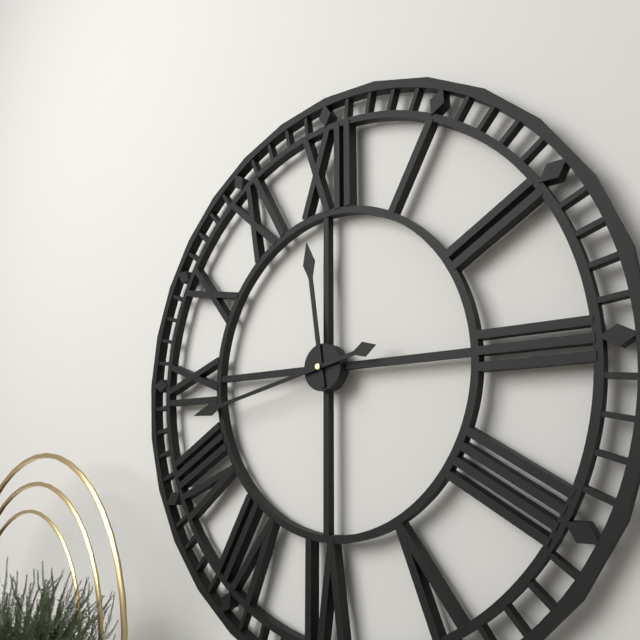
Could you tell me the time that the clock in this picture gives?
11:43
